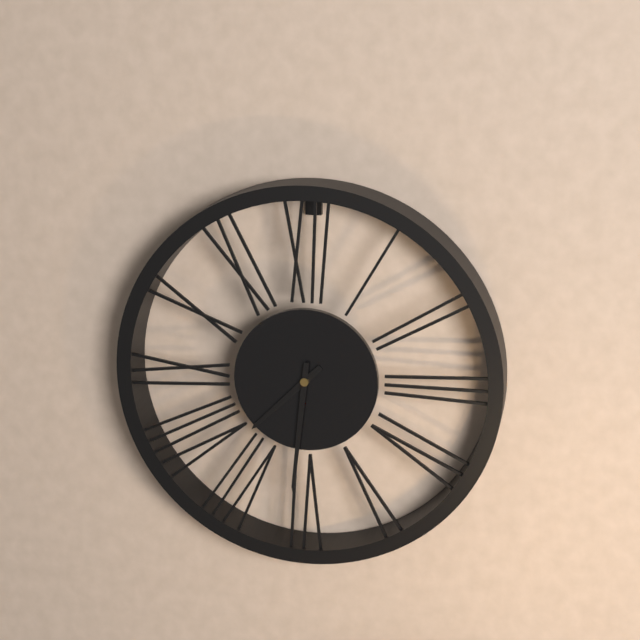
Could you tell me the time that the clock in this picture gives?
7:31
